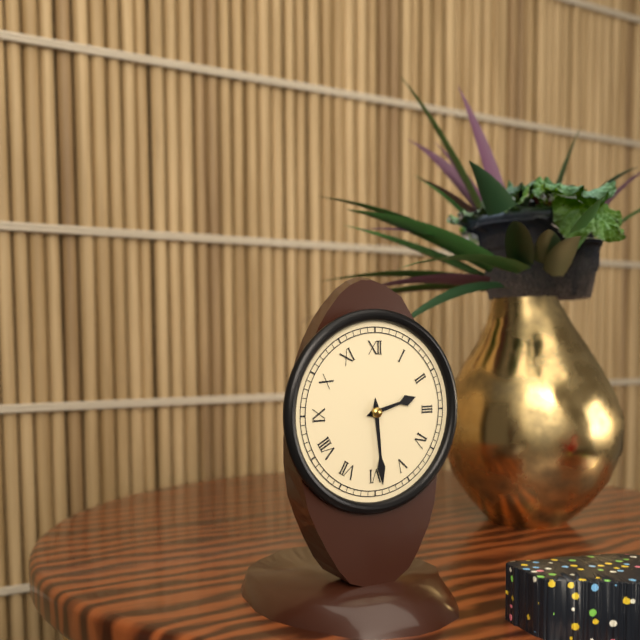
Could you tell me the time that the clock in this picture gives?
2:29
